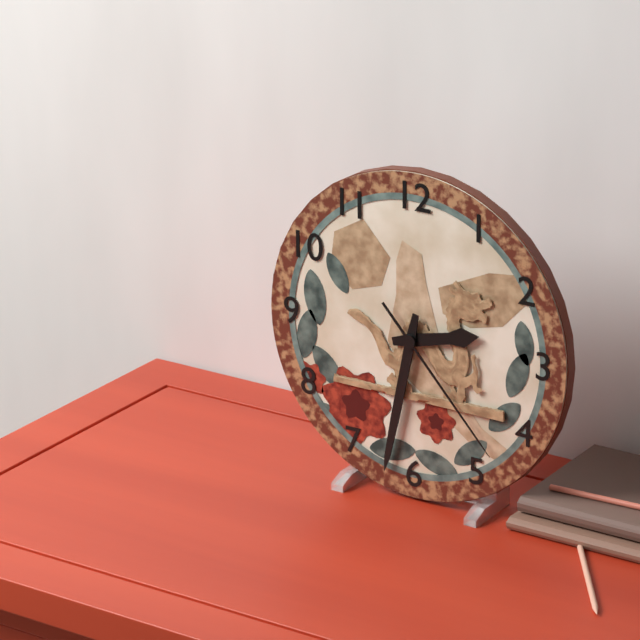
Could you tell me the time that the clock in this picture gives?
2:32:23
